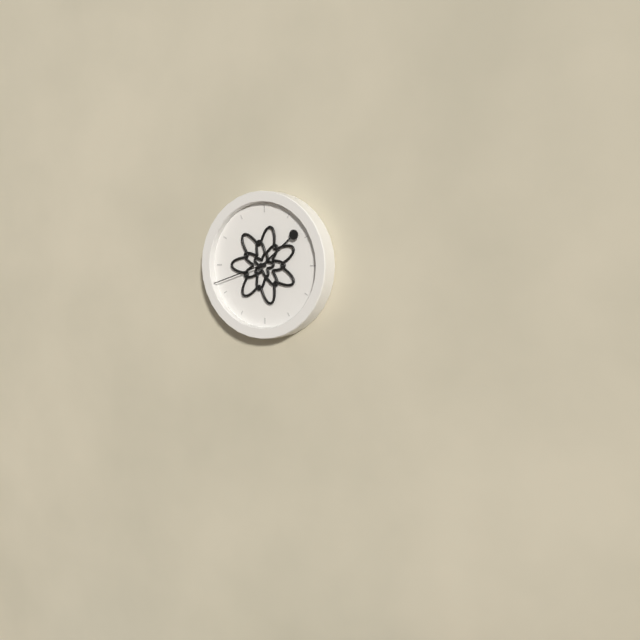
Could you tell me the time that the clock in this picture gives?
1:42
